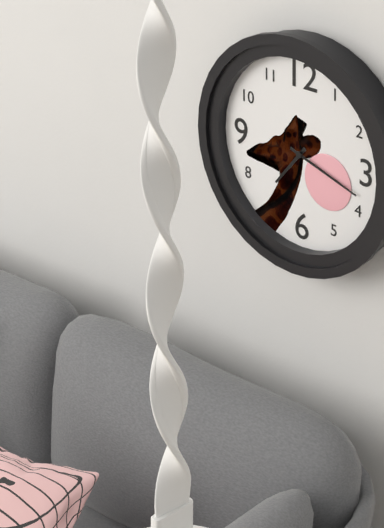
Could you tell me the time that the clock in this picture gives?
7:18
